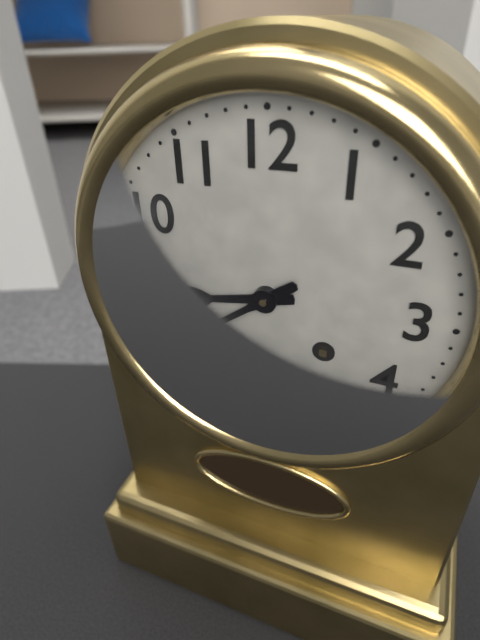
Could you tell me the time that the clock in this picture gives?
8:39
